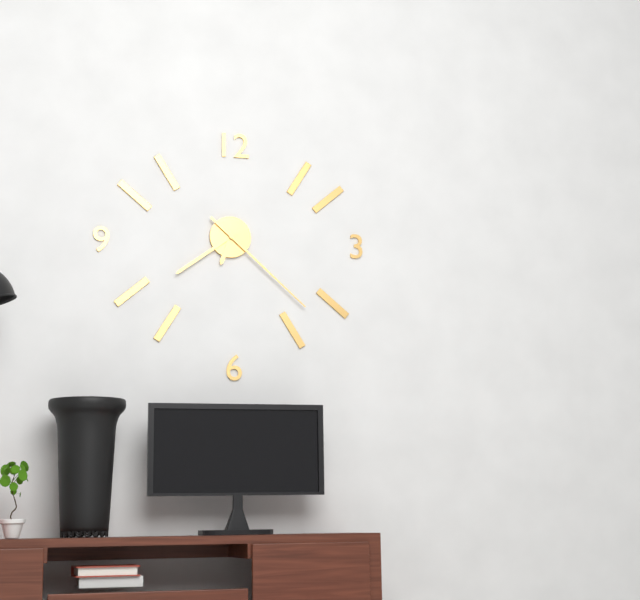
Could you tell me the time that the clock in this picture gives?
6:39:22
